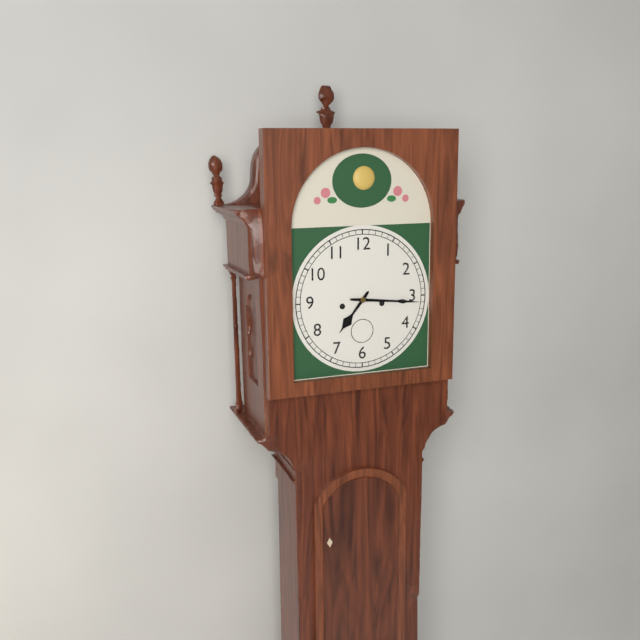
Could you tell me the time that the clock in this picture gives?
7:16
